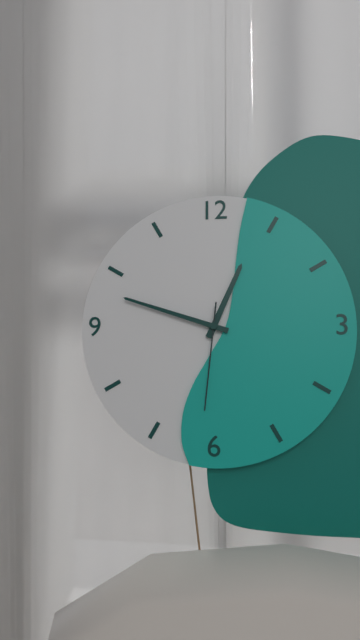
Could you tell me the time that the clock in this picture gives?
12:48:31
